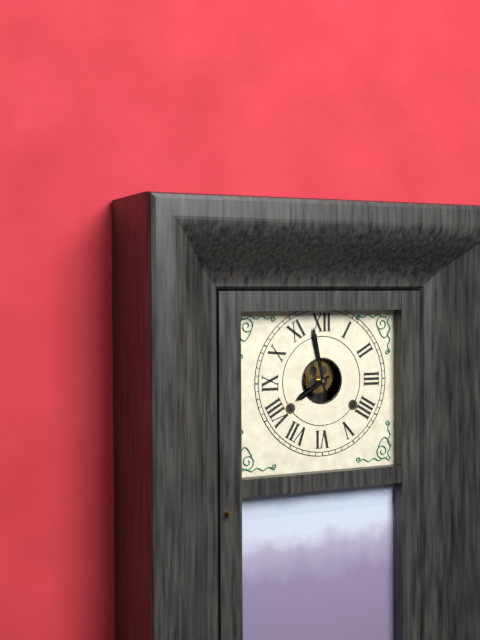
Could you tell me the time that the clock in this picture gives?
7:58
